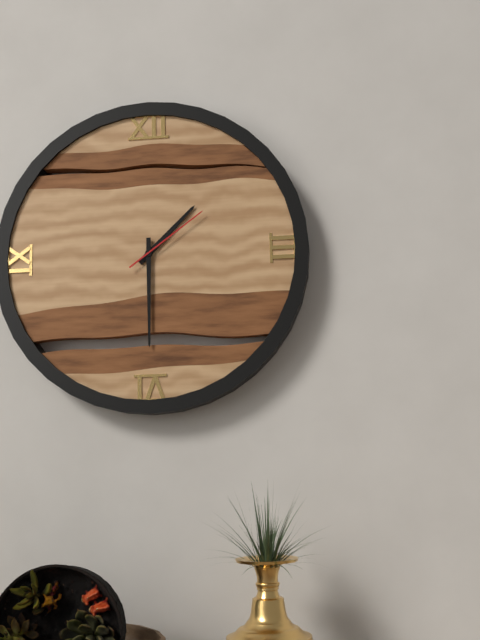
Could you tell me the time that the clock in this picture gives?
1:30:09
